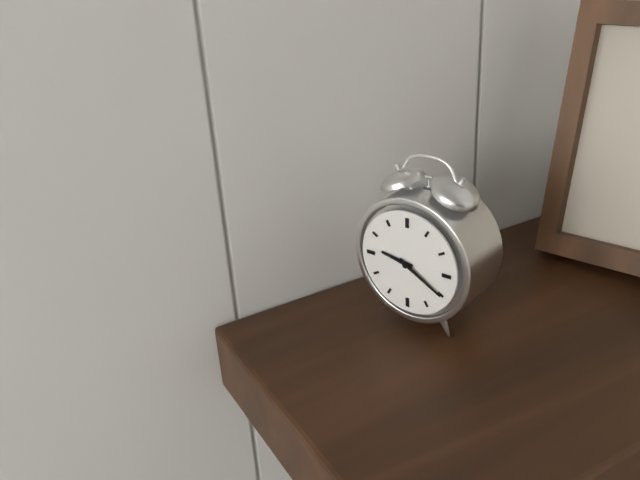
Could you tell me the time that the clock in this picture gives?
9:20
